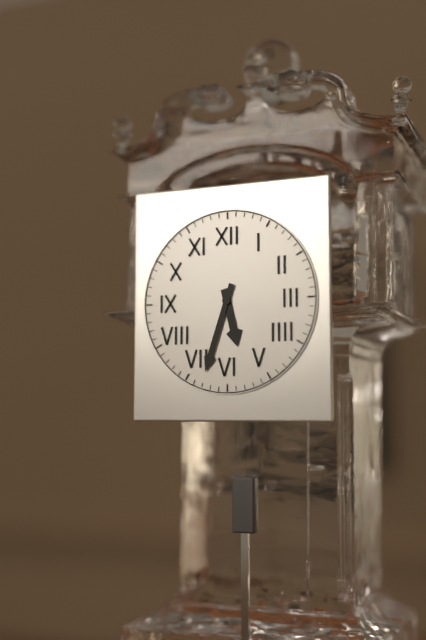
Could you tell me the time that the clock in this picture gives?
5:33
